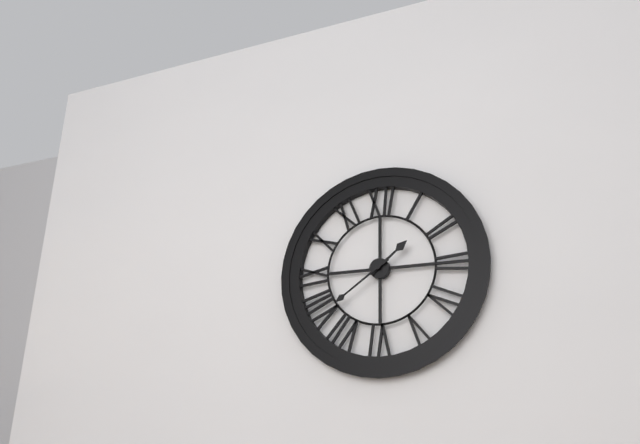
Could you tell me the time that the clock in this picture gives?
1:39
